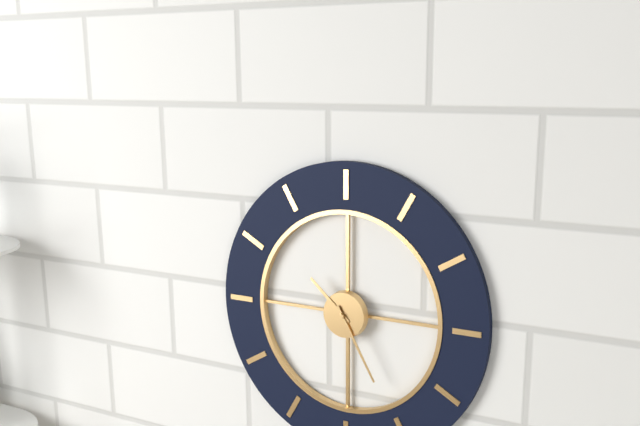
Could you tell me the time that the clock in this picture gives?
10:25
